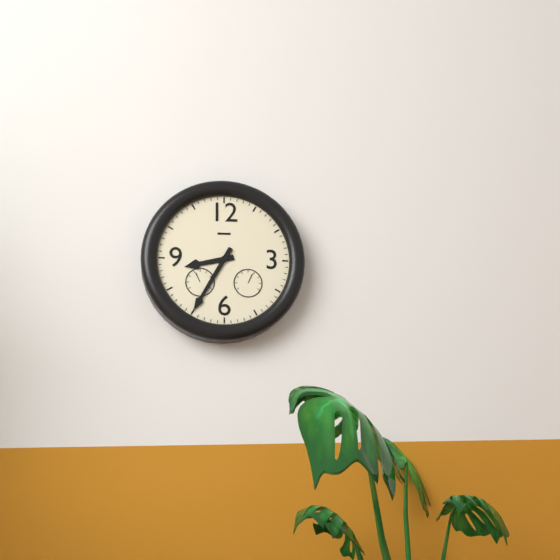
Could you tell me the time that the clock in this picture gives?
8:35
